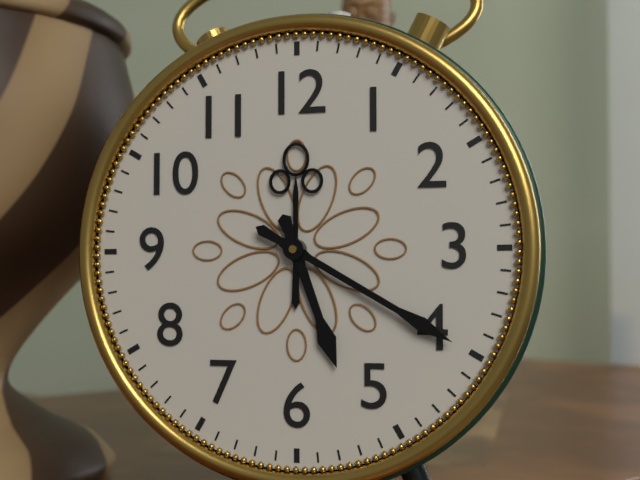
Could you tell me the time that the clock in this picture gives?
5:20
